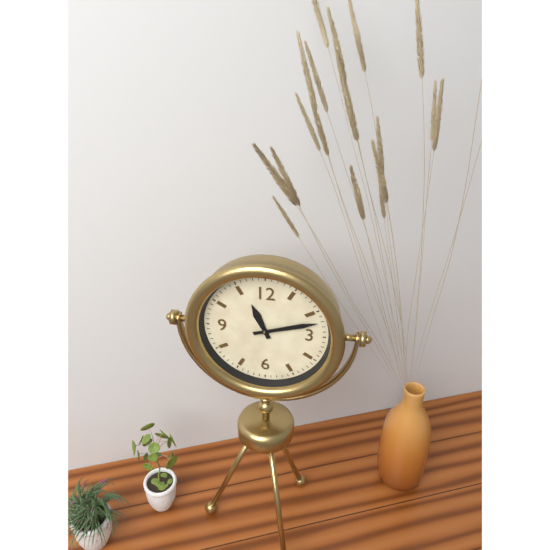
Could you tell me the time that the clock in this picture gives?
11:12
